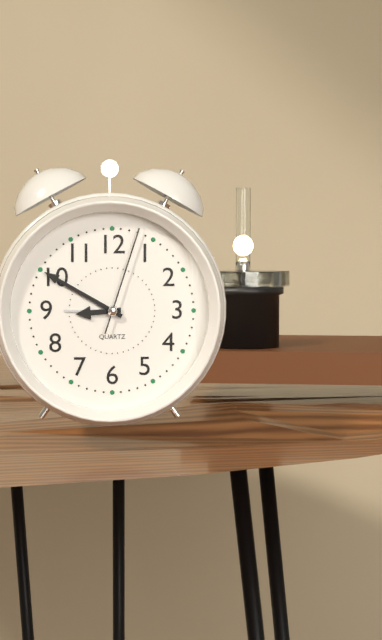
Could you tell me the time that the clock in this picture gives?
8:50:03
